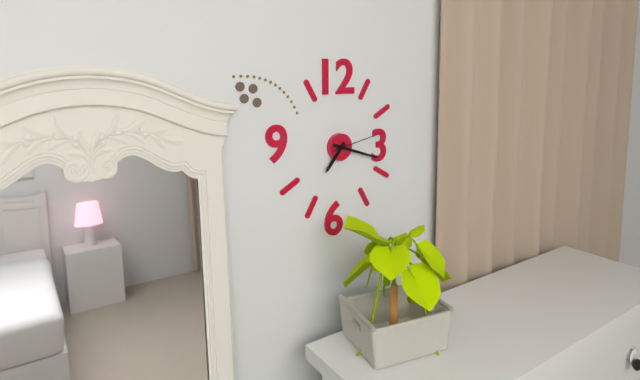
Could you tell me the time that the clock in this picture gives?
7:18:13
